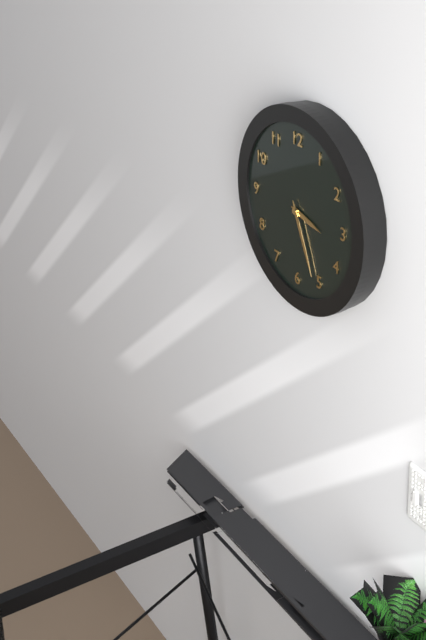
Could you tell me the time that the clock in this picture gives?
3:26
